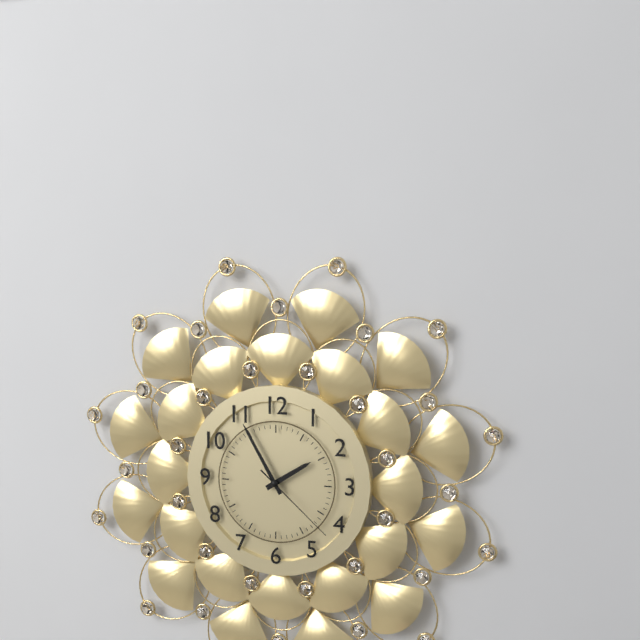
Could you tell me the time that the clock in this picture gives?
1:55:22
